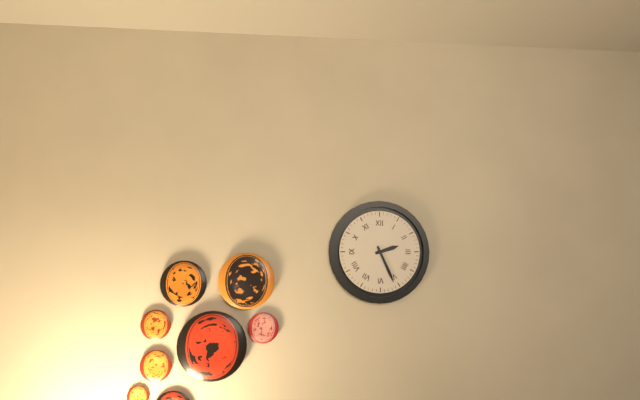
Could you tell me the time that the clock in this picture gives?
2:26
